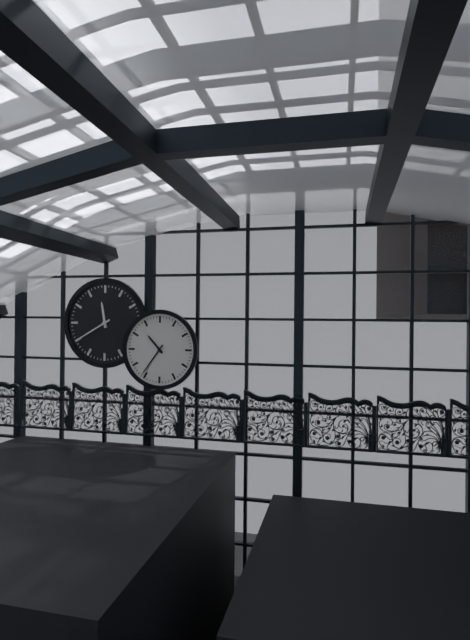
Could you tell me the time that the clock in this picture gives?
10:36
